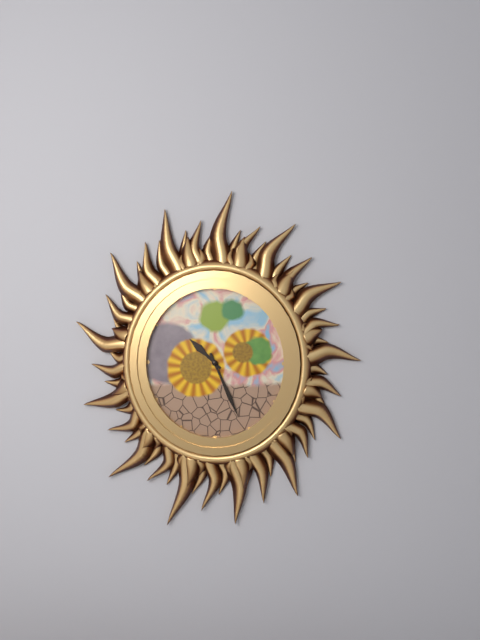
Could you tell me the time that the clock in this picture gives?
10:26
